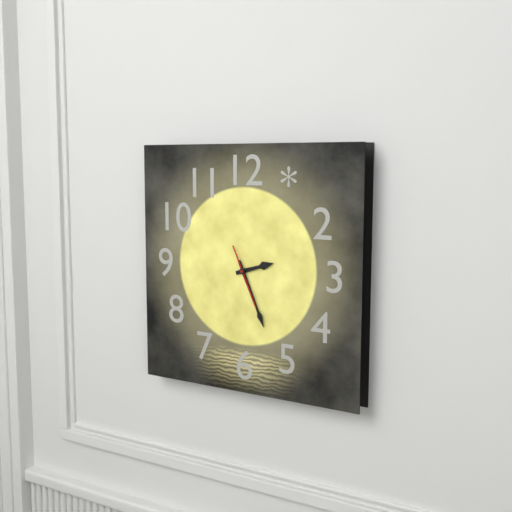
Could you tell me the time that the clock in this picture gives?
2:26
